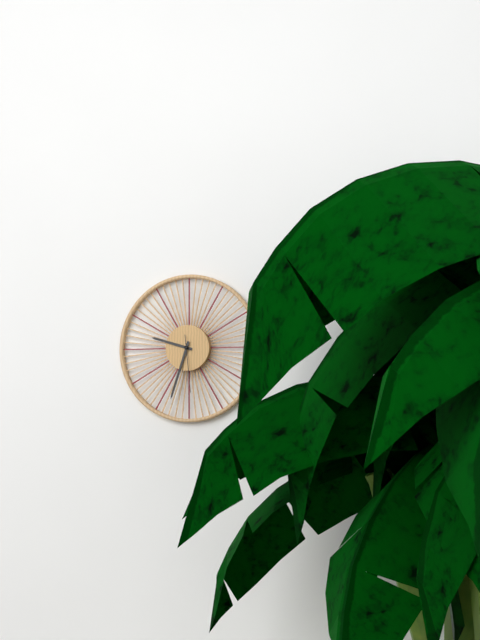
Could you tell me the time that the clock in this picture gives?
9:33:29
